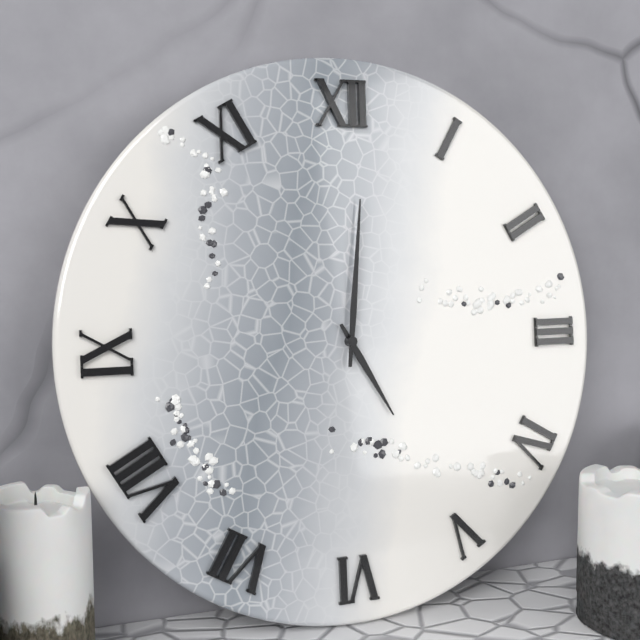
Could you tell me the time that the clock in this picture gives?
5:01
